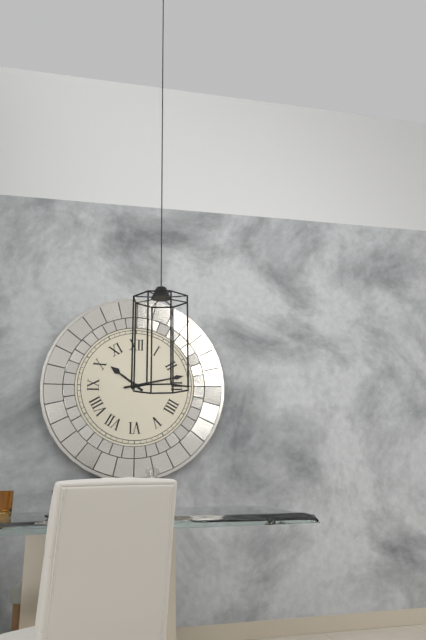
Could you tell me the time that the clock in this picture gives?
10:13
